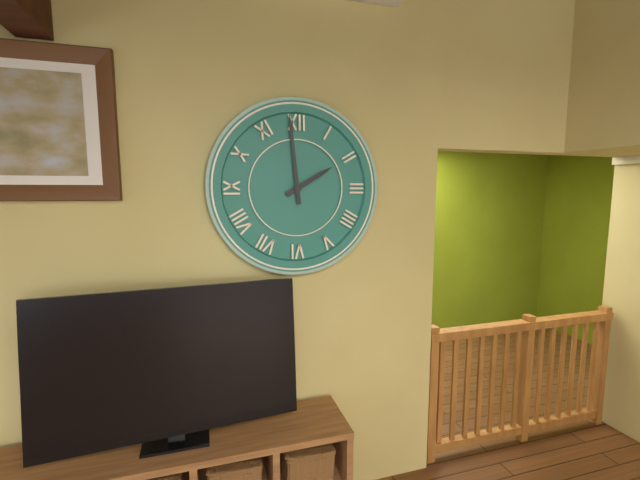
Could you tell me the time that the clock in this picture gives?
1:59
